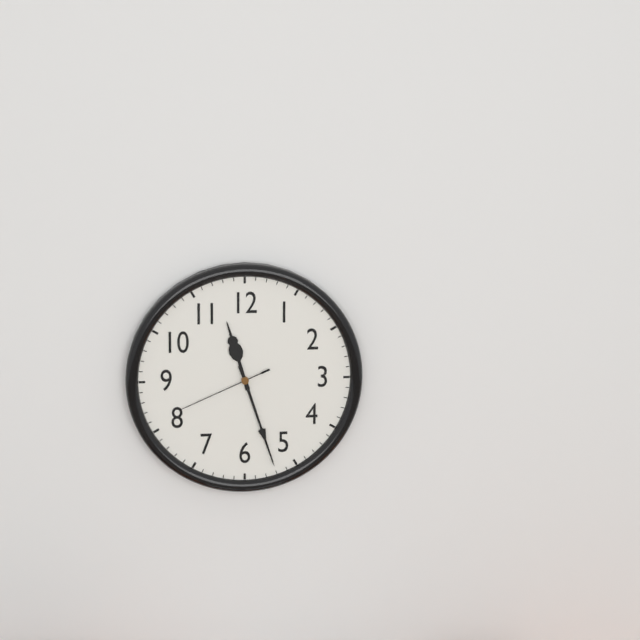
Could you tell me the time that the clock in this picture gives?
11:27:41
